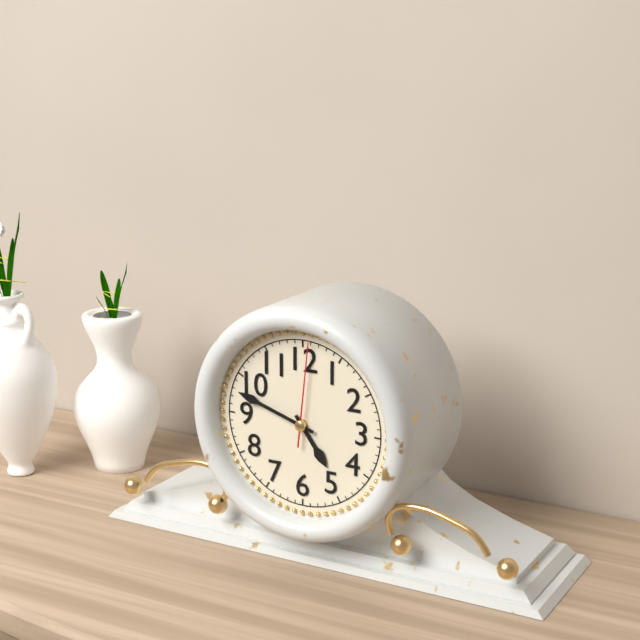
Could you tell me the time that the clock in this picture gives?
4:48:01
